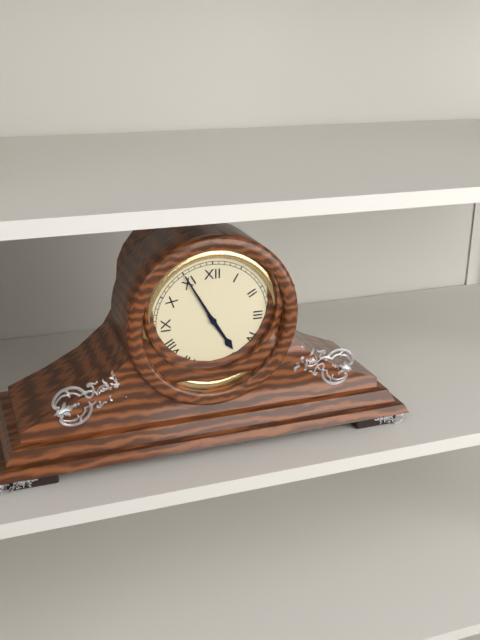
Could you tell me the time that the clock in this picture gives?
4:55
